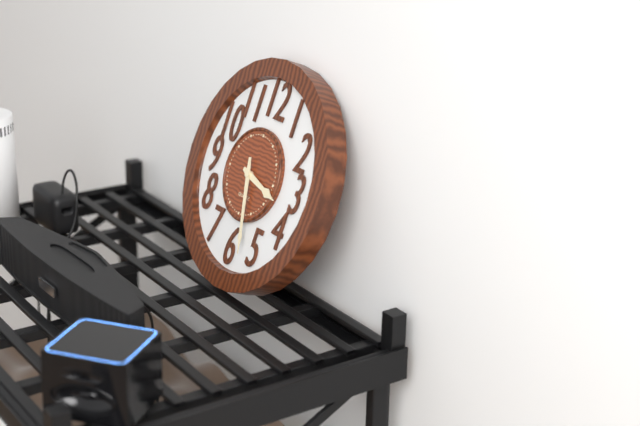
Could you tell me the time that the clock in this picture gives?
3:27
